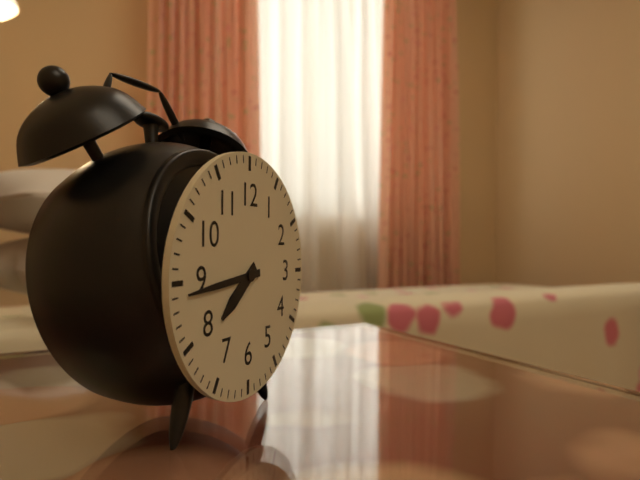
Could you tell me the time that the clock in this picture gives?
7:44
